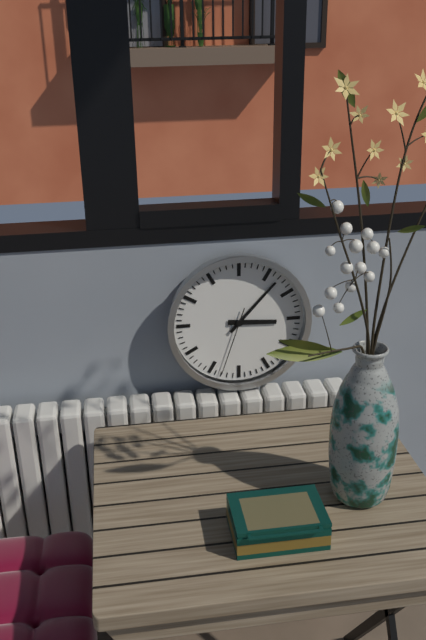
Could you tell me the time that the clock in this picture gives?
3:07:33
